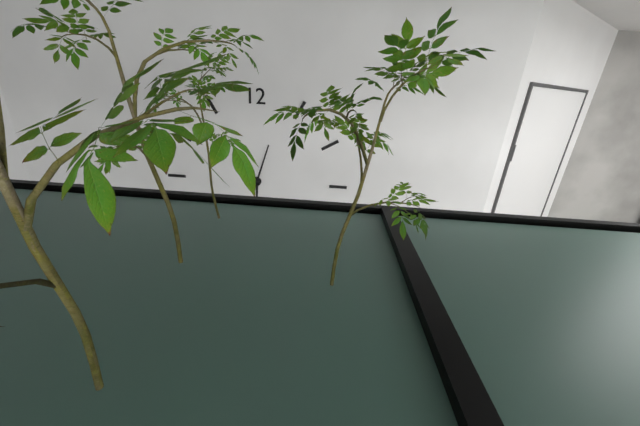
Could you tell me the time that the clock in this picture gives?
6:03
